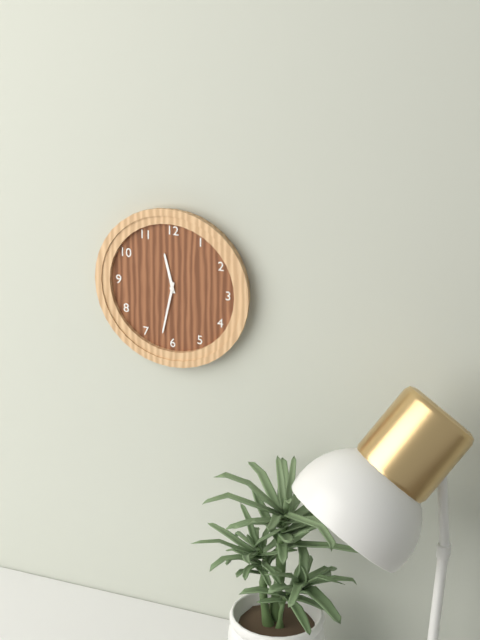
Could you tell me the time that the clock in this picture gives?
11:32
